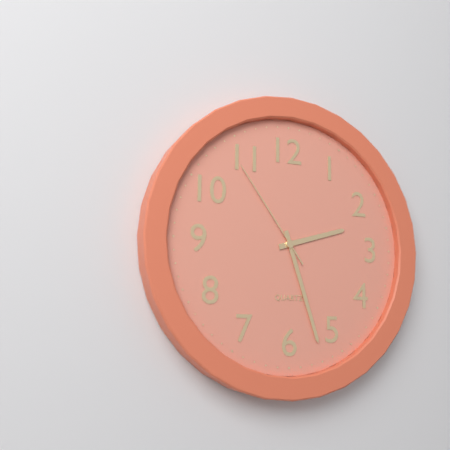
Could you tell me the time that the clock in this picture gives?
2:27:54
